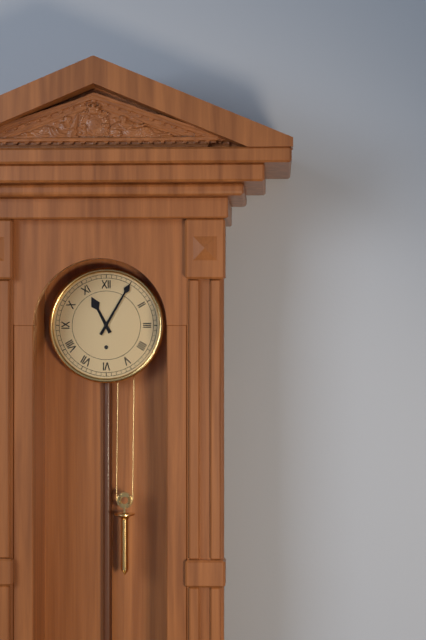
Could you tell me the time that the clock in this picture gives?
11:05
